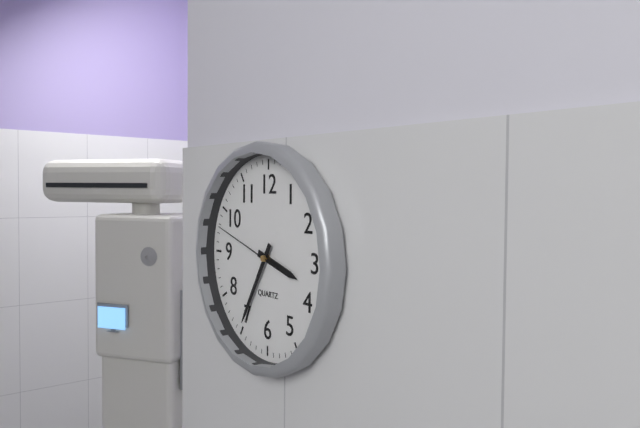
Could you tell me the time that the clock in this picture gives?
3:35:48
